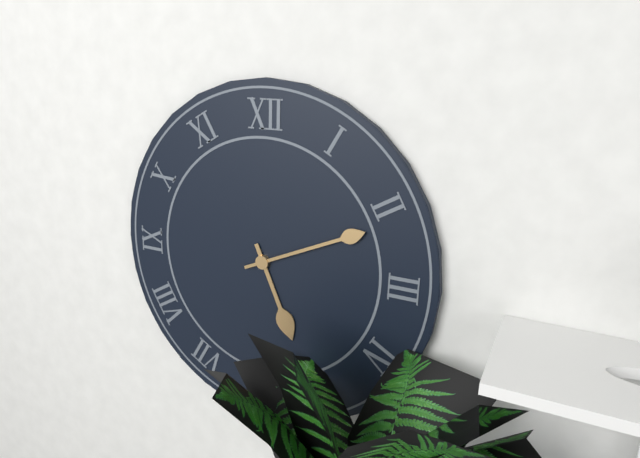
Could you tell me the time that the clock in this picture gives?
5:11
